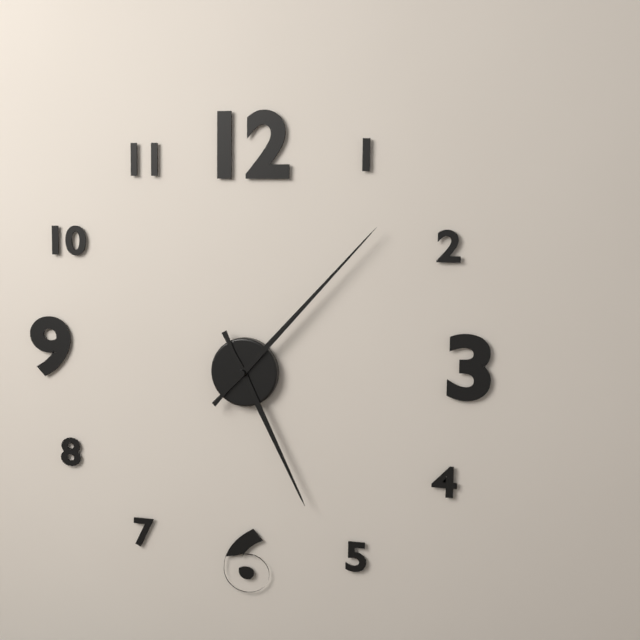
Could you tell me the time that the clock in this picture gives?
5:07
